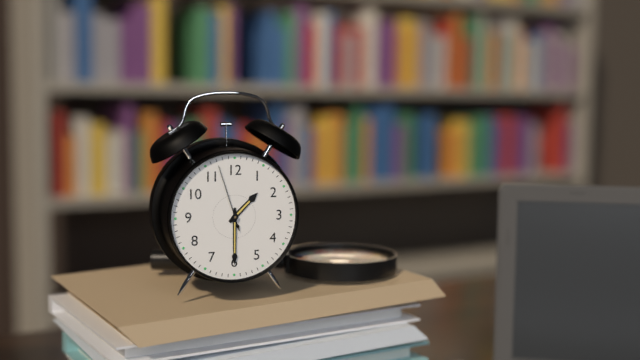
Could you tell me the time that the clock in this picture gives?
1:30:57
